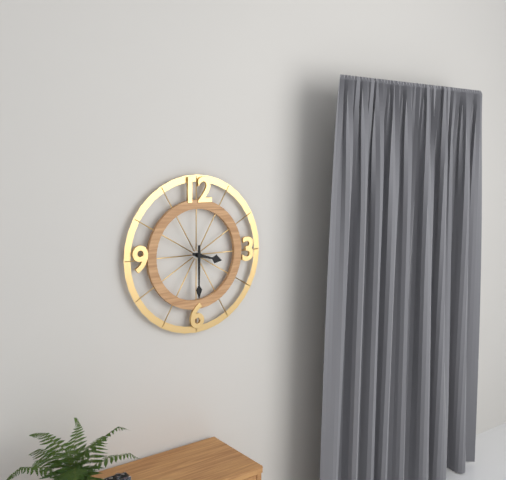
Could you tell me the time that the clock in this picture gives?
3:30
